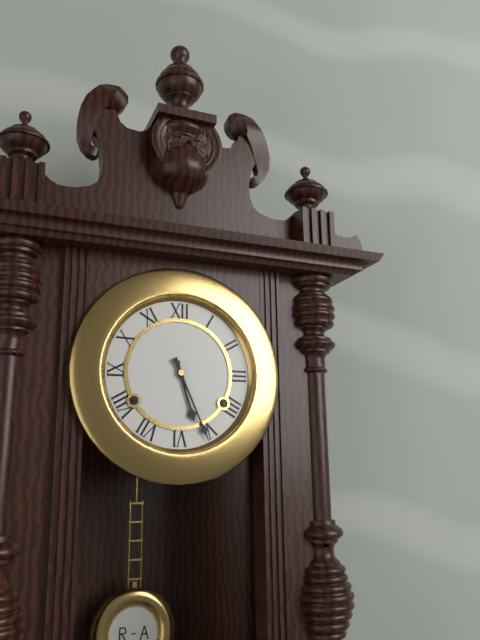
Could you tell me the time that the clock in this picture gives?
5:26
